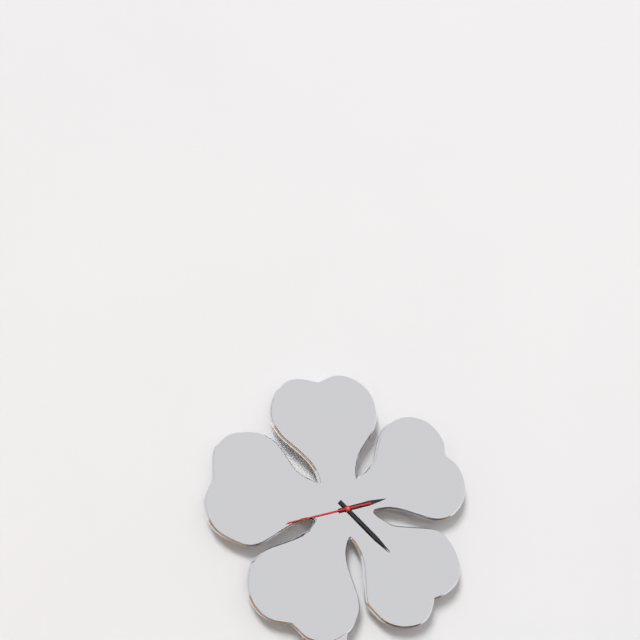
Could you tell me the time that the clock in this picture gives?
2:22:42
